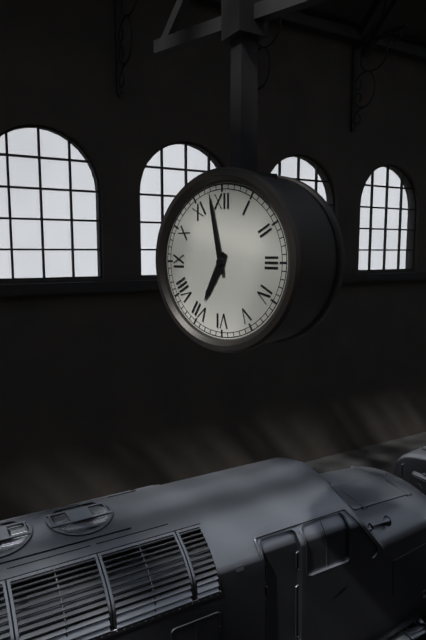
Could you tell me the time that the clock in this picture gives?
6:58
